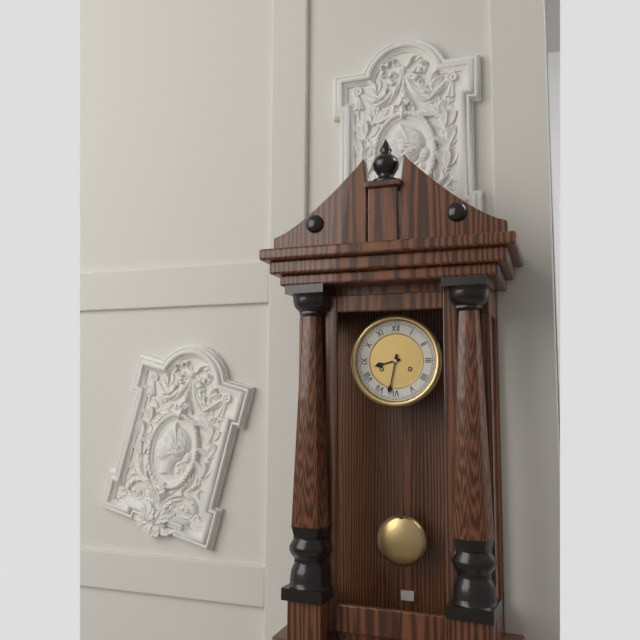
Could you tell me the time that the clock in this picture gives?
8:32
